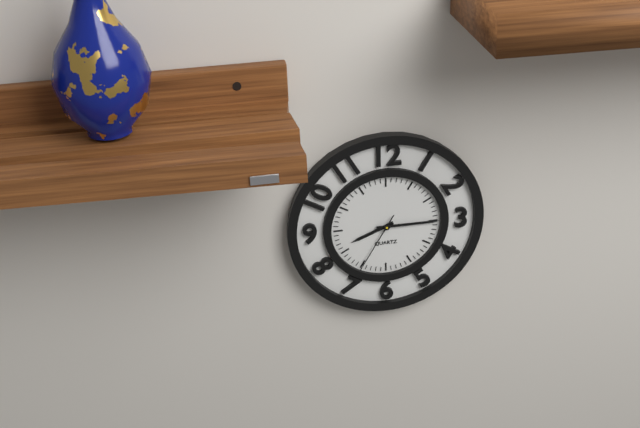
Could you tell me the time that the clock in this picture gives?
8:15:35
